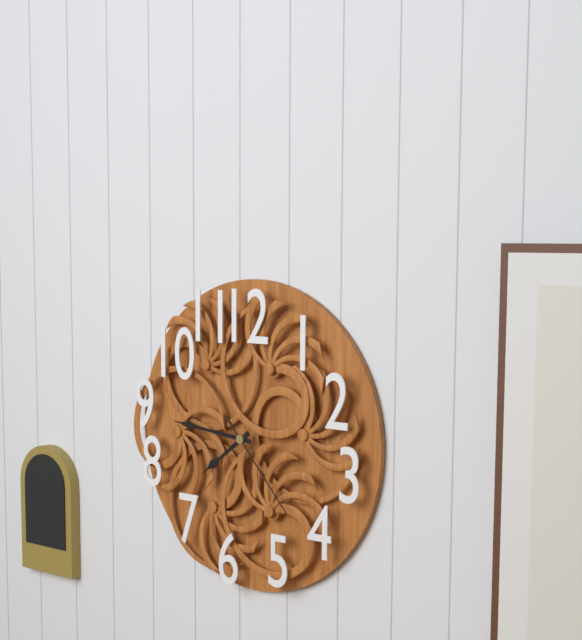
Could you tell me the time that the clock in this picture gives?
7:46:23
